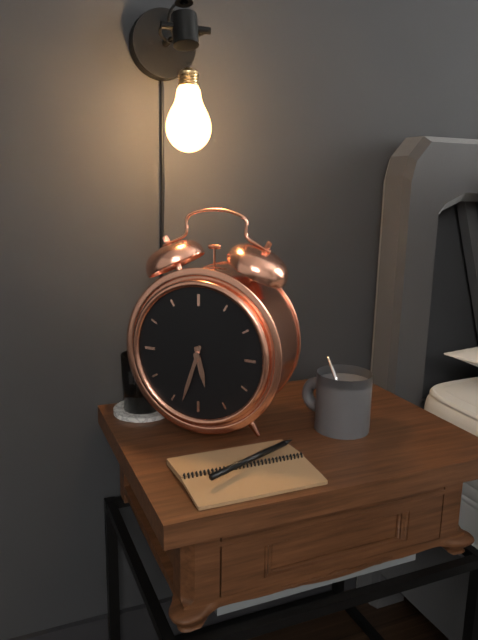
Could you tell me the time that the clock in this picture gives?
5:33
